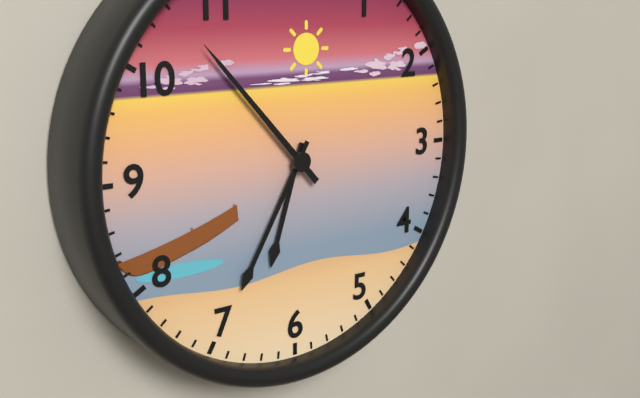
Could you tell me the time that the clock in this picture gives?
6:35:53
